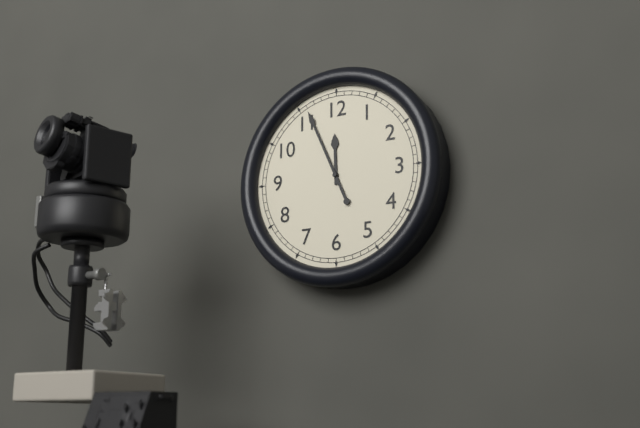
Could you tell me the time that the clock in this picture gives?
11:56
